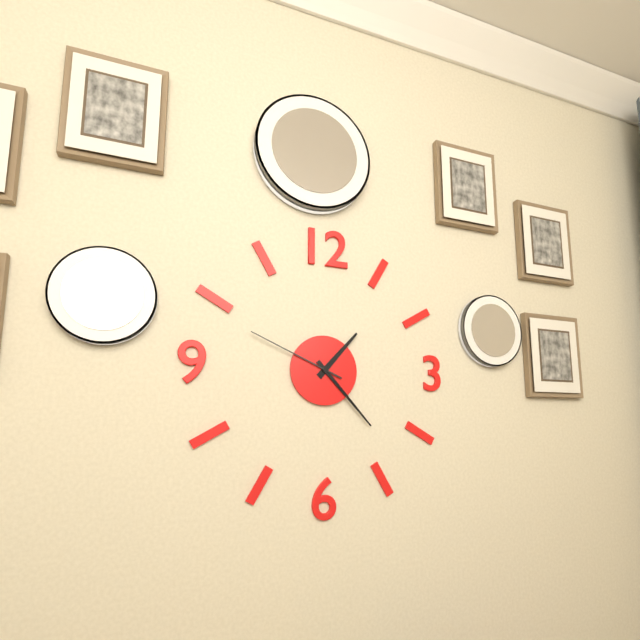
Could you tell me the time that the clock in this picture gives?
1:23:49
